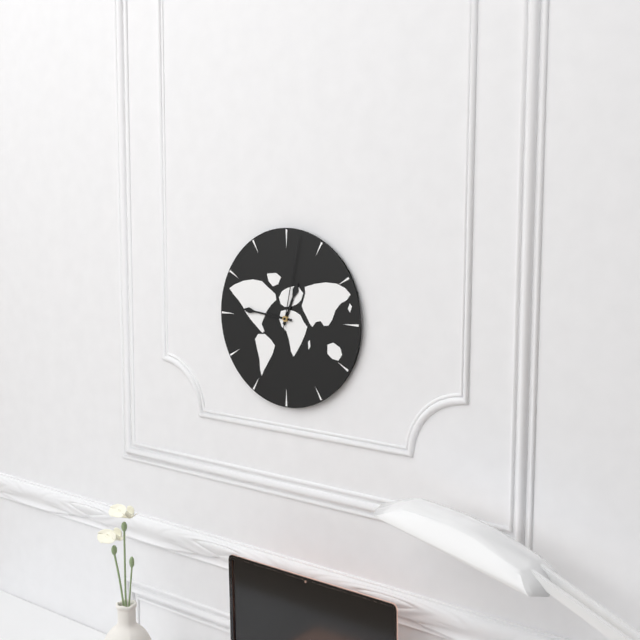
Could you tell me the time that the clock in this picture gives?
12:46:02
